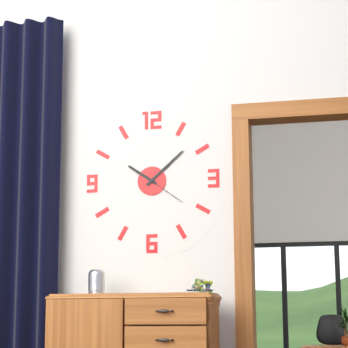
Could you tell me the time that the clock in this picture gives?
10:08
